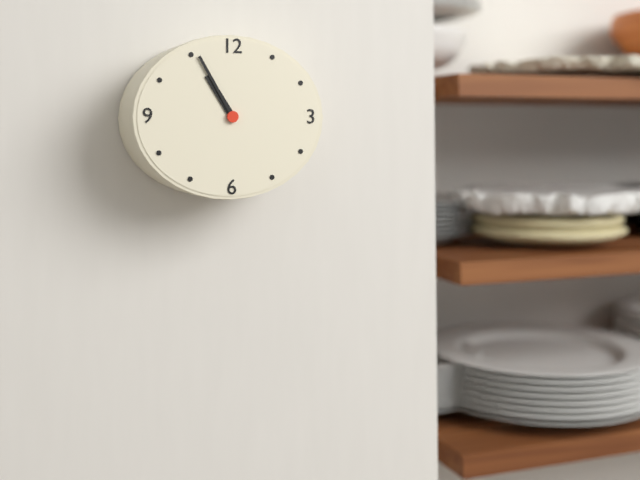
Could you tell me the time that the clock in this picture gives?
10:55
